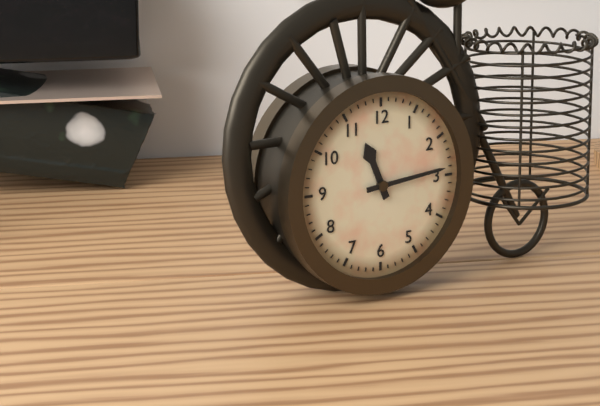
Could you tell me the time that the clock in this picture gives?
11:14
